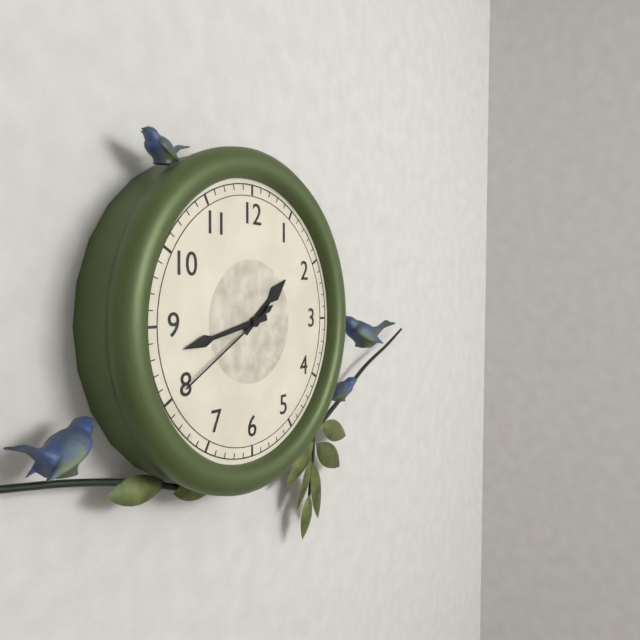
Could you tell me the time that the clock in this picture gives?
1:43:40
